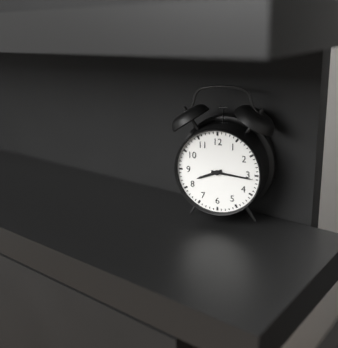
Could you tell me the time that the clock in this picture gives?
8:16
